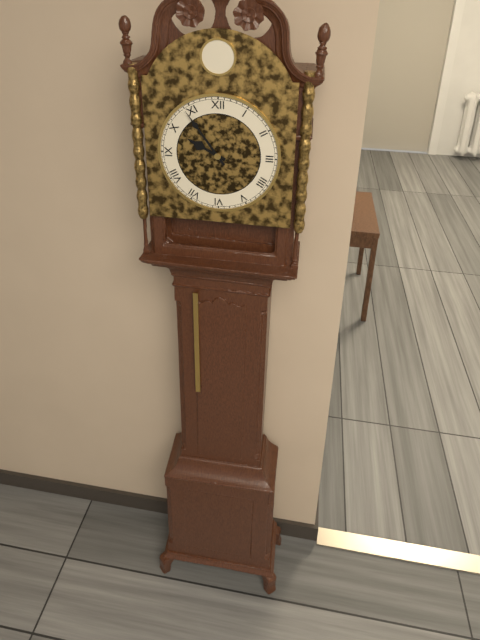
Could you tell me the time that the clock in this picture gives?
9:54
